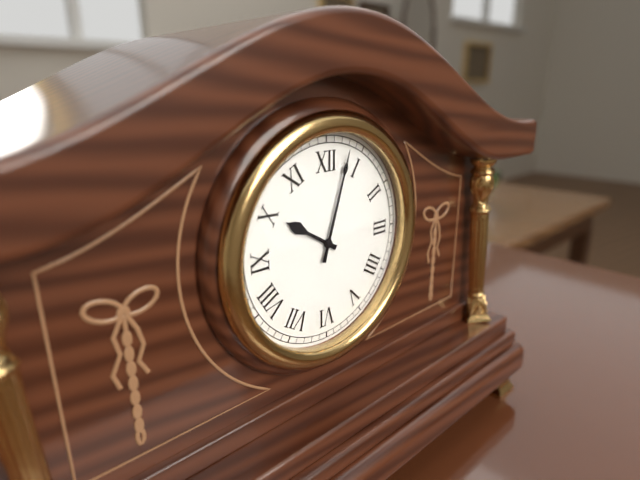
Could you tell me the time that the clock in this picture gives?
10:03
